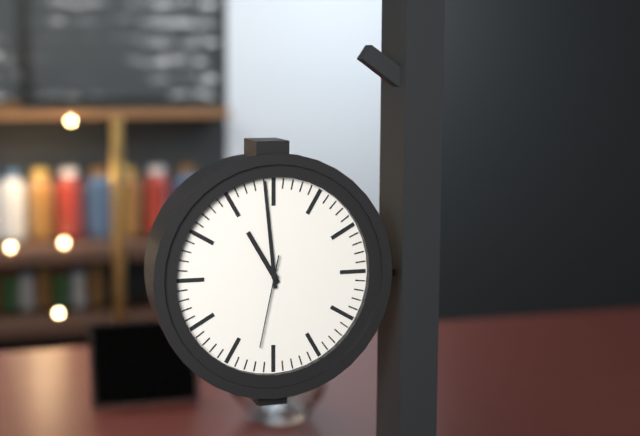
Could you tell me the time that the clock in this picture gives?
10:59:32
